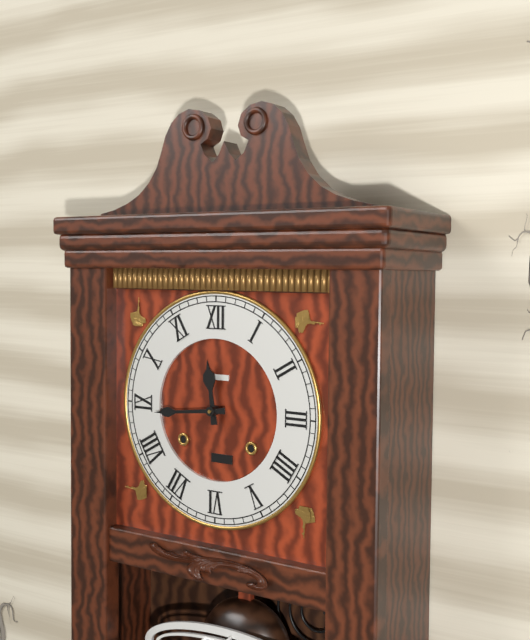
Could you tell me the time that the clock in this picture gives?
11:44
